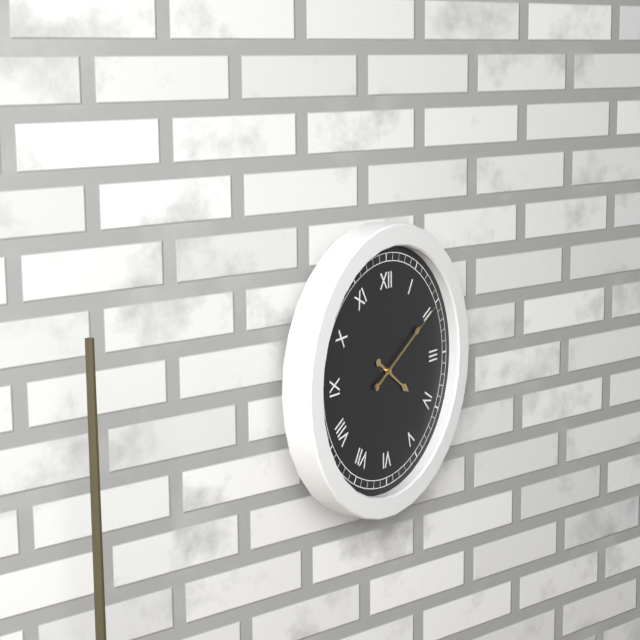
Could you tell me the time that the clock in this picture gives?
4:10:10
